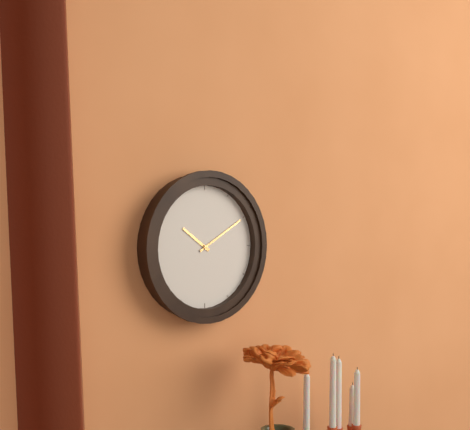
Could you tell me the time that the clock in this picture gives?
10:10
